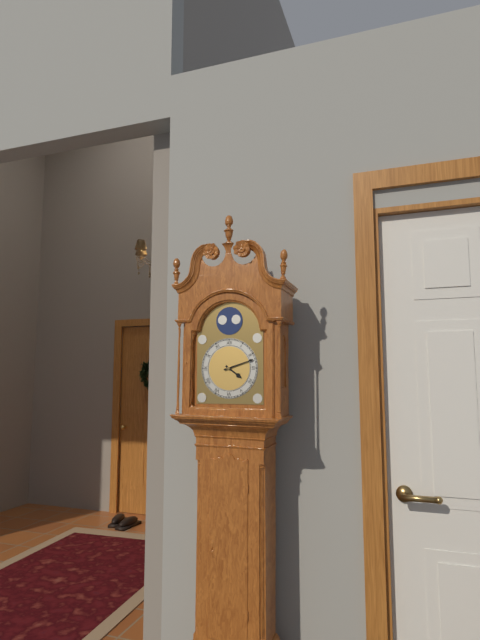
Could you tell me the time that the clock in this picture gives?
4:12
